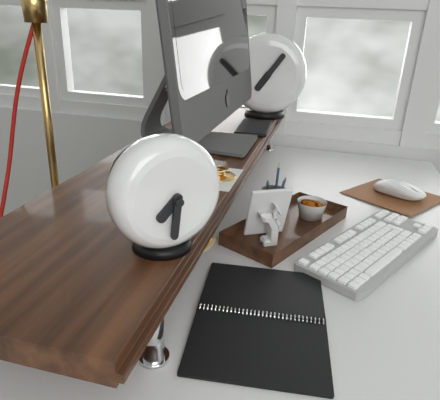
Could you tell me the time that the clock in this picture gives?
7:31
